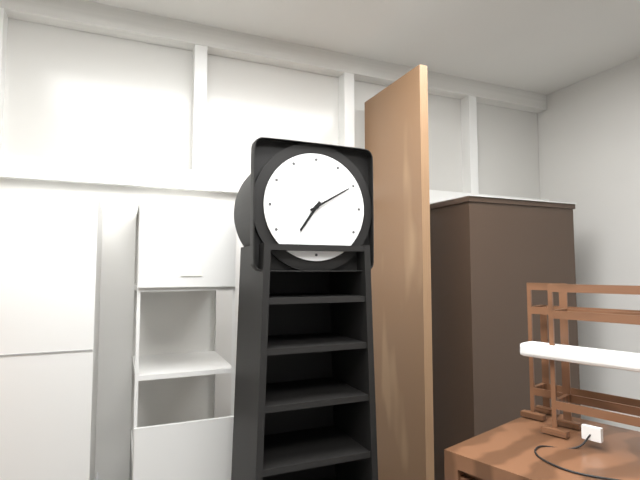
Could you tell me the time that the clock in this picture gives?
7:10
